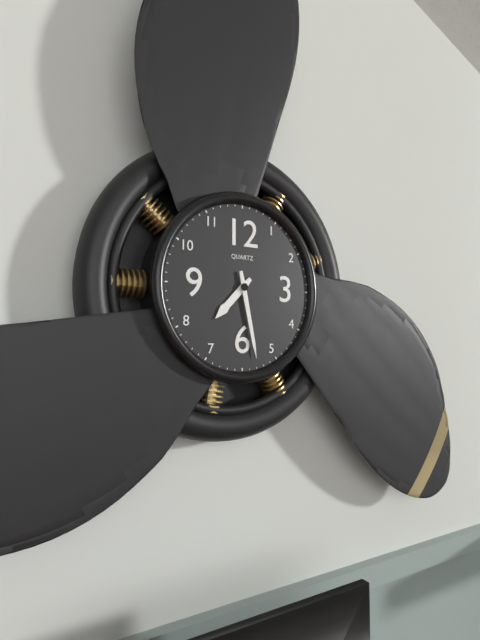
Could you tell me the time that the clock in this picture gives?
7:28
